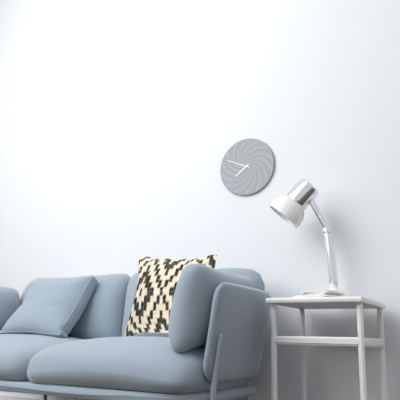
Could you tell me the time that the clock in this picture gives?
7:49
